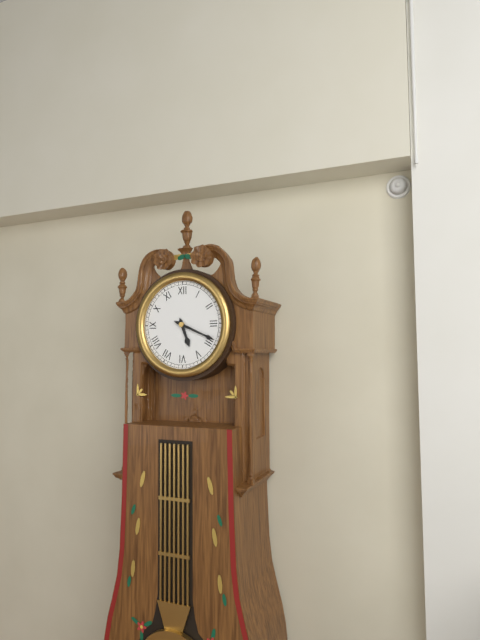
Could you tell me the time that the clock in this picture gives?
5:19
